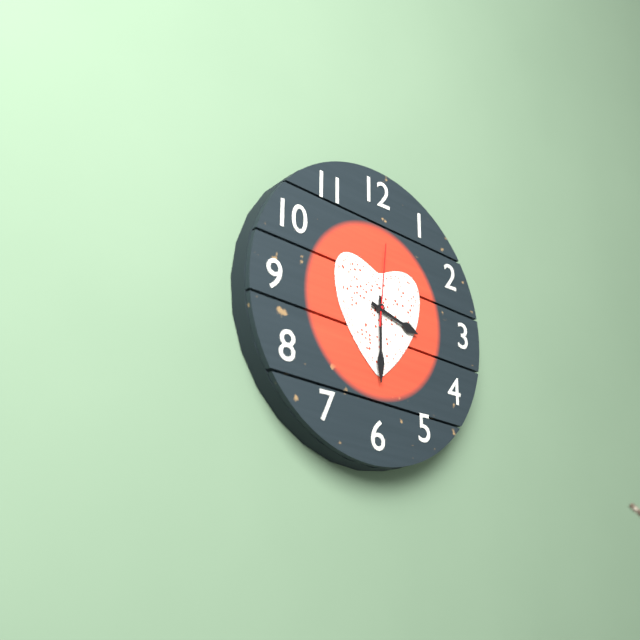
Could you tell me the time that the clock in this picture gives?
3:30:01
